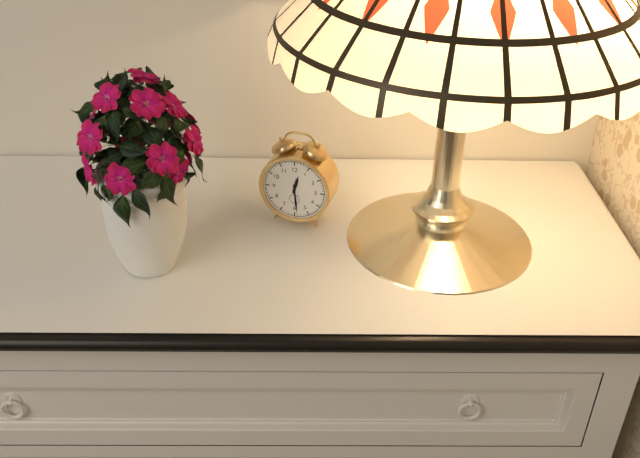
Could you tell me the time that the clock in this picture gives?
12:29
